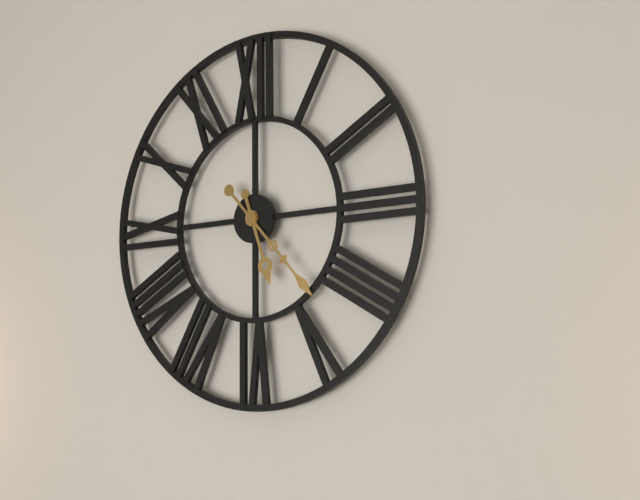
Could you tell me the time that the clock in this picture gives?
5:23
